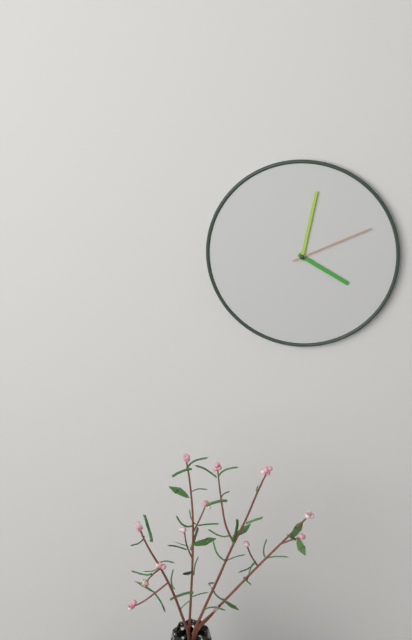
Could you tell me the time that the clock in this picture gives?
4:02:11
